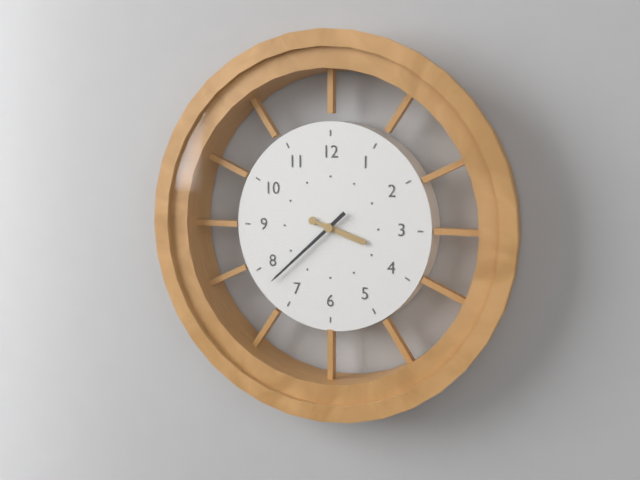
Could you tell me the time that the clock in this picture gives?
3:38
